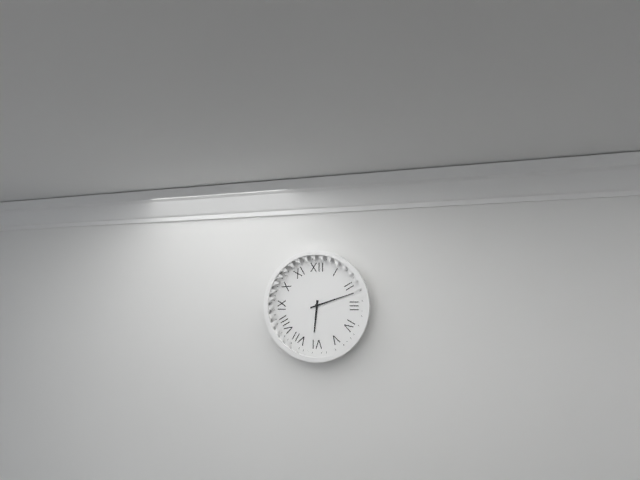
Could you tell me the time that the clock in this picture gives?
6:12
